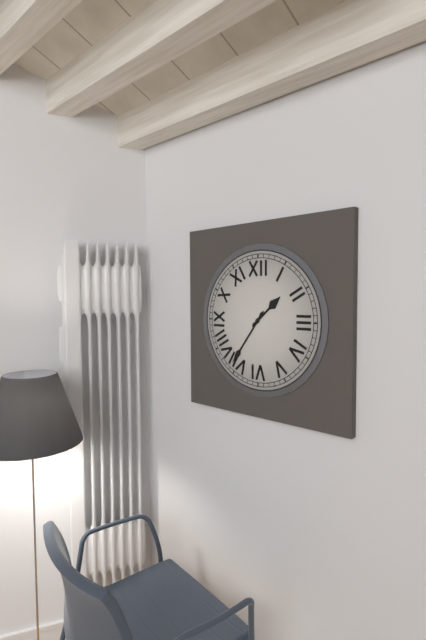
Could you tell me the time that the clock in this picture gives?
1:36
